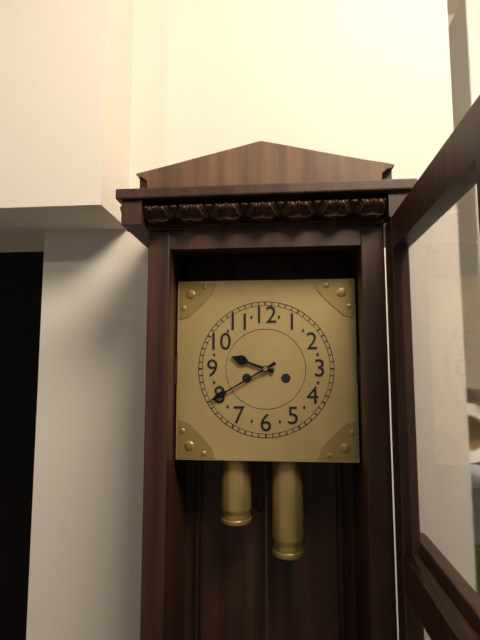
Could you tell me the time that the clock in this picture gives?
9:40
